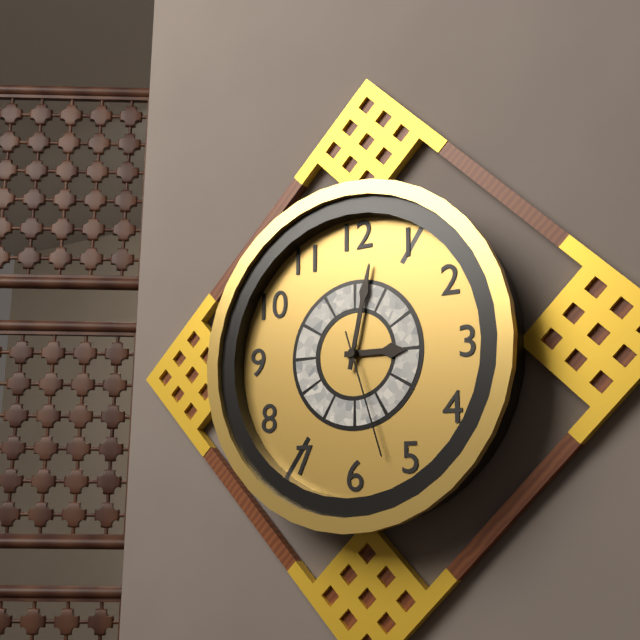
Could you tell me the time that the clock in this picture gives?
3:02:27
